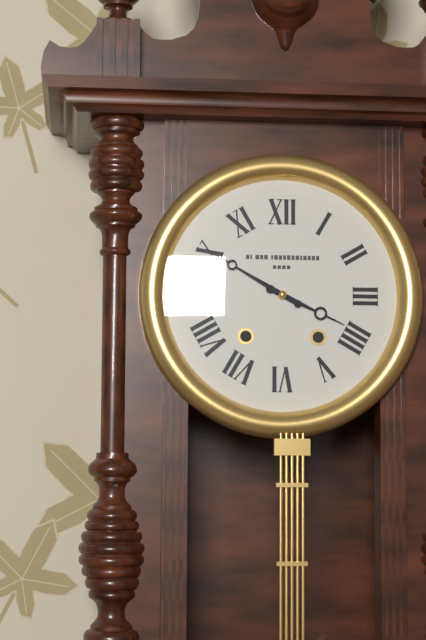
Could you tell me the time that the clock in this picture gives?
3:50
